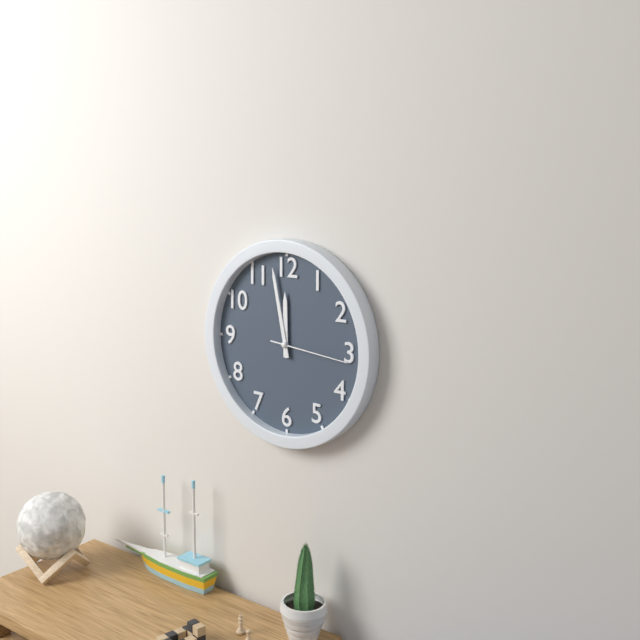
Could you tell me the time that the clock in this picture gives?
11:58:16
